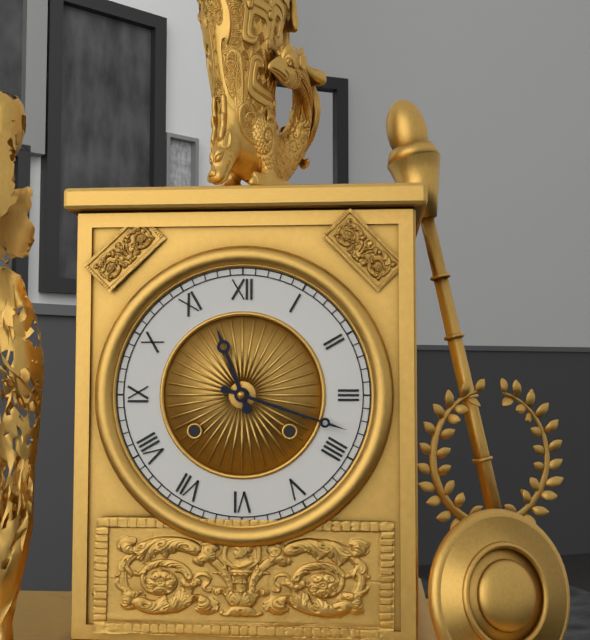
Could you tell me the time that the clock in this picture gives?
11:18
